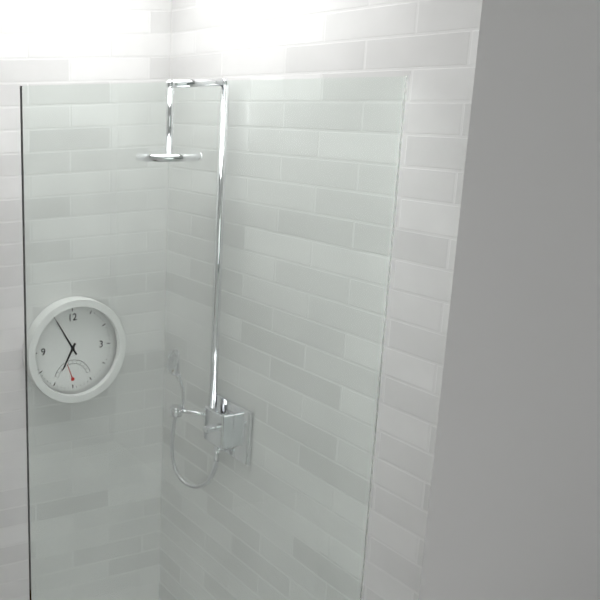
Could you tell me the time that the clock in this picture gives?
6:55
